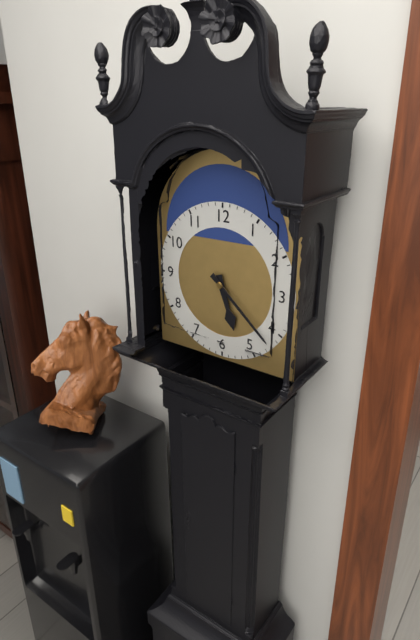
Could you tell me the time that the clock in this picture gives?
5:22
